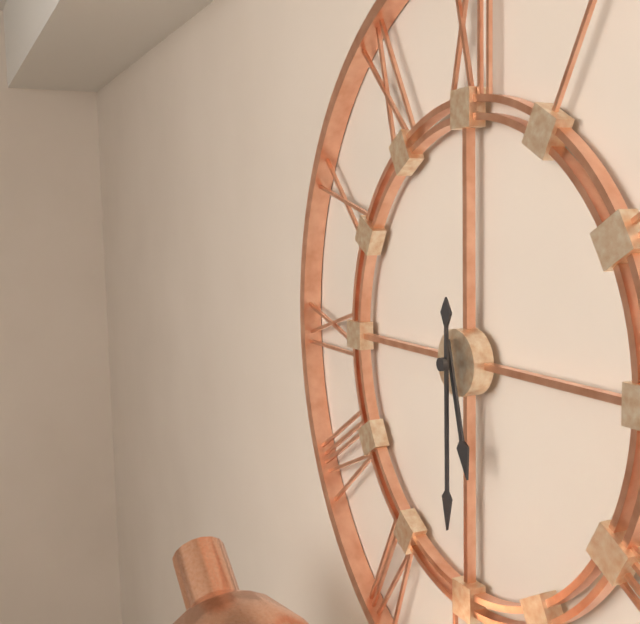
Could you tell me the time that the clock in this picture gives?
5:30
